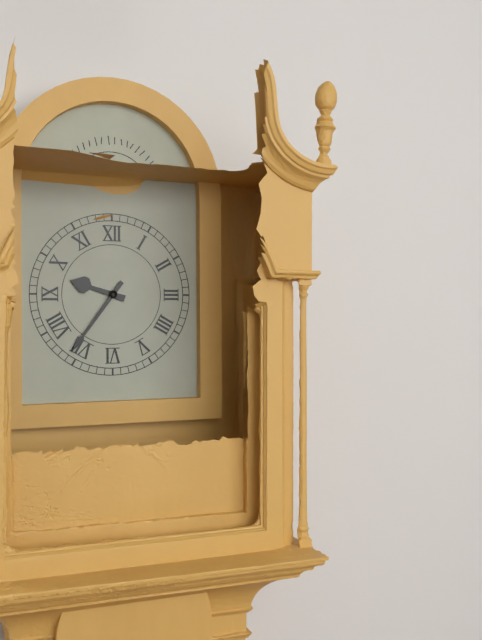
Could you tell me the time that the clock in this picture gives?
9:36
